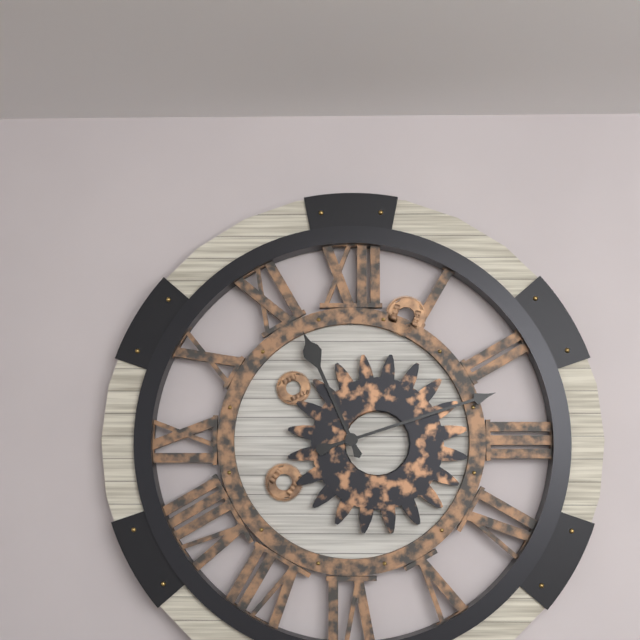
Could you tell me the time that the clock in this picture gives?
11:12
